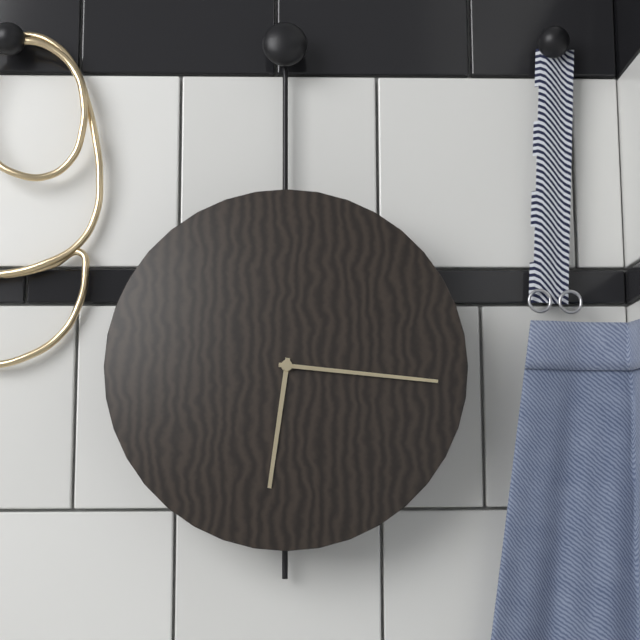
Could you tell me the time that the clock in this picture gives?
6:16
